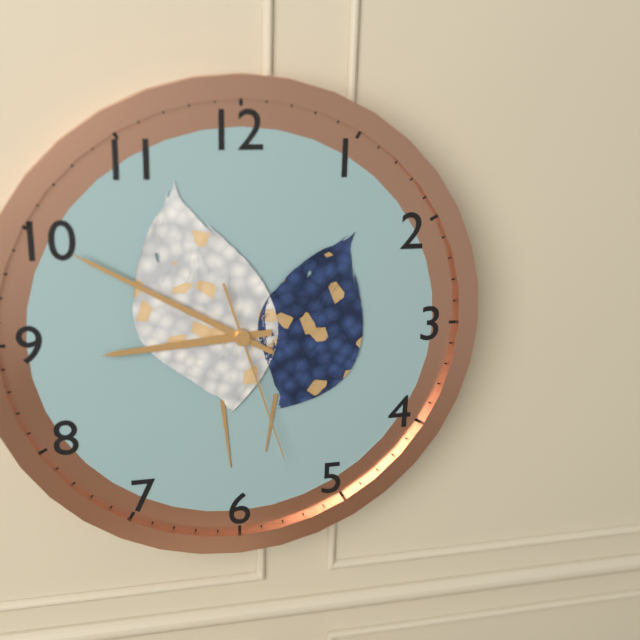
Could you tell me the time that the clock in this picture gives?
8:50:27
